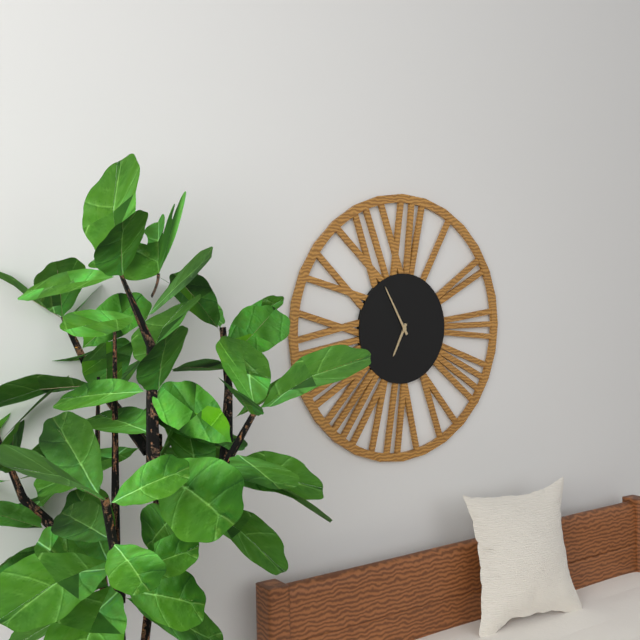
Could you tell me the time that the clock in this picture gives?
6:55
